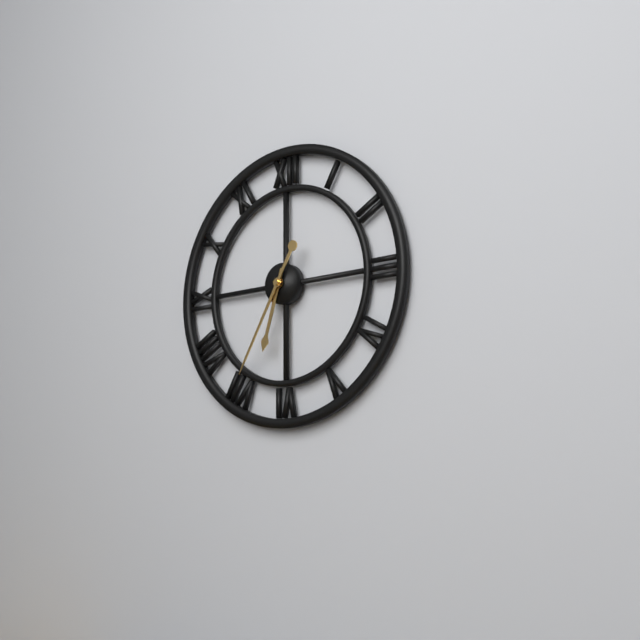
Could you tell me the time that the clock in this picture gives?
6:35
